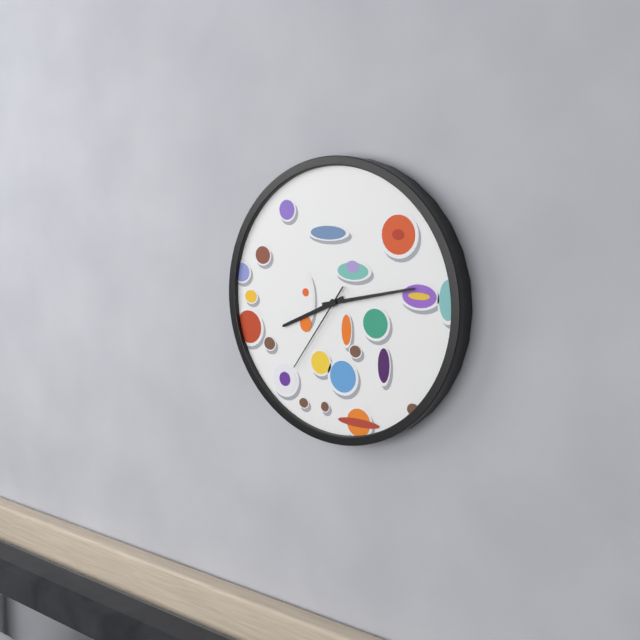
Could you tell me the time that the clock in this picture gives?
8:13:36
